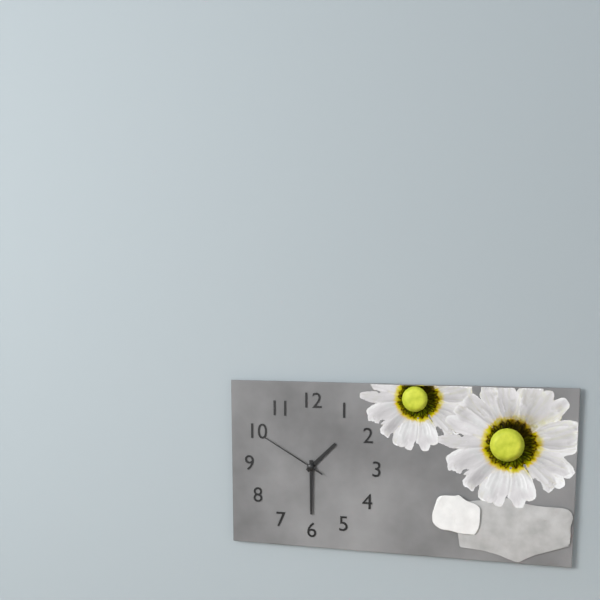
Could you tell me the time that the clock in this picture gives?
1:30:50
